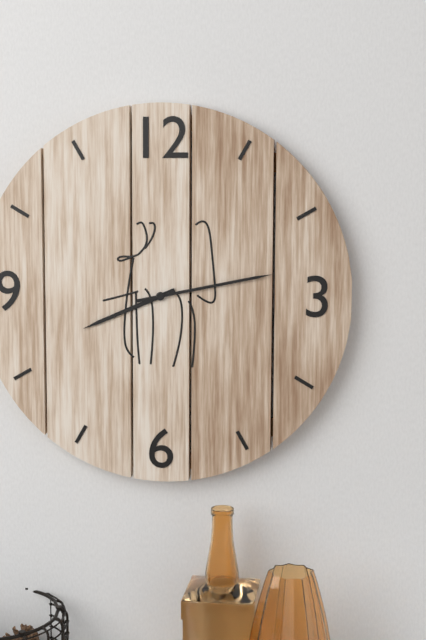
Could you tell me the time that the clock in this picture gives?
8:13
